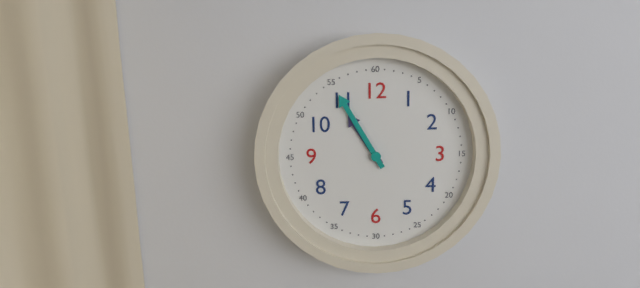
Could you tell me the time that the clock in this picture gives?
10:55
